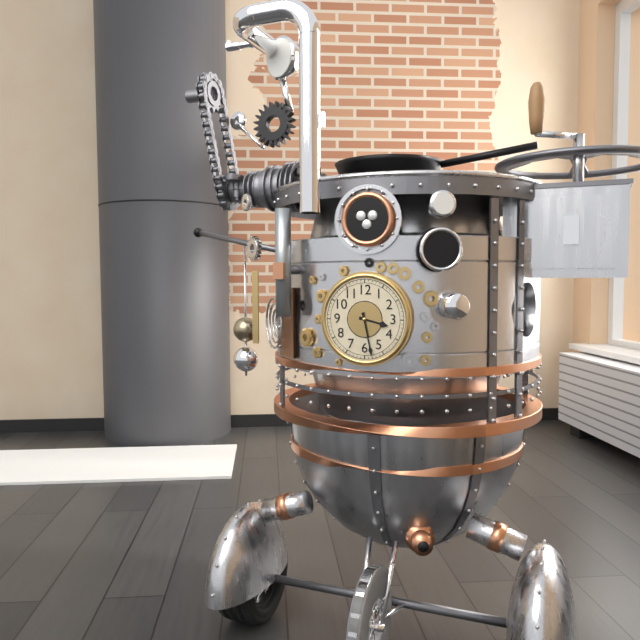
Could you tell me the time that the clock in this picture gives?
3:28
